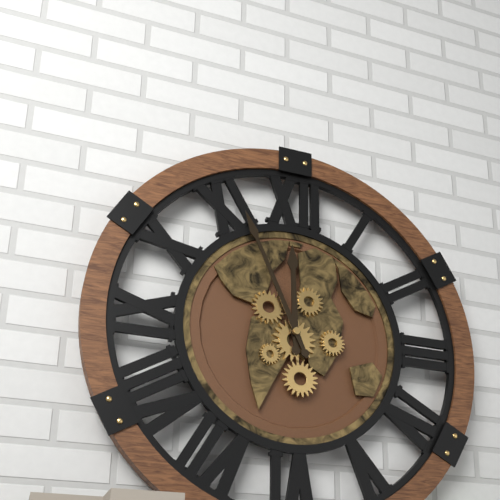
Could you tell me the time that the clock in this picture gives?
11:56
